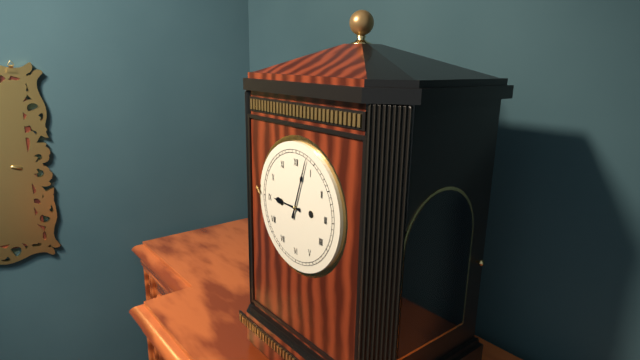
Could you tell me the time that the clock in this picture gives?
9:03
